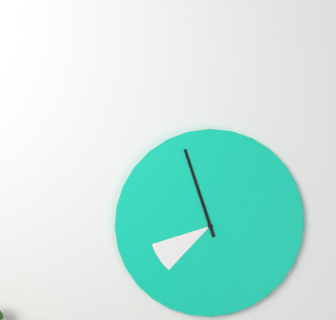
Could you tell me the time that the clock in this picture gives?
7:57
